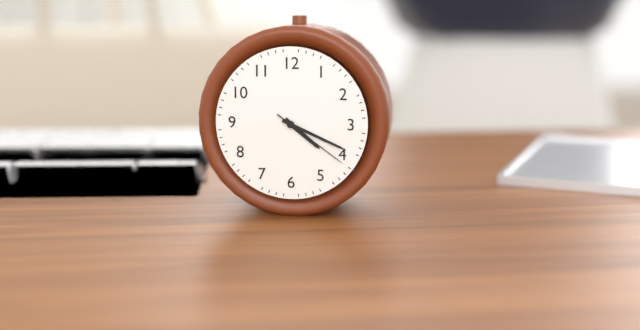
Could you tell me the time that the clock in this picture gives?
4:19:21
